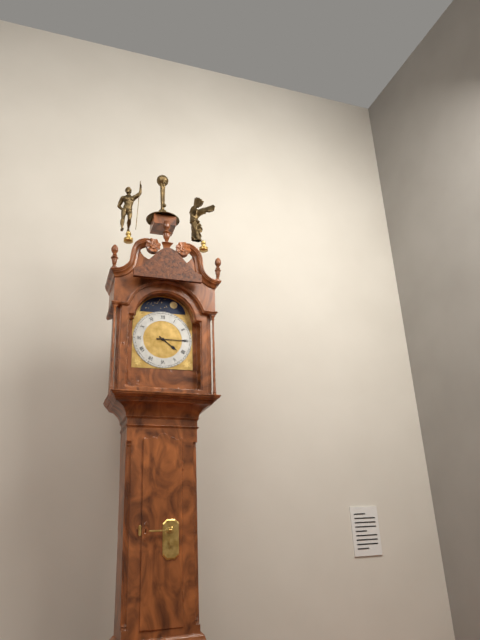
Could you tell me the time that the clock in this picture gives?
4:15
